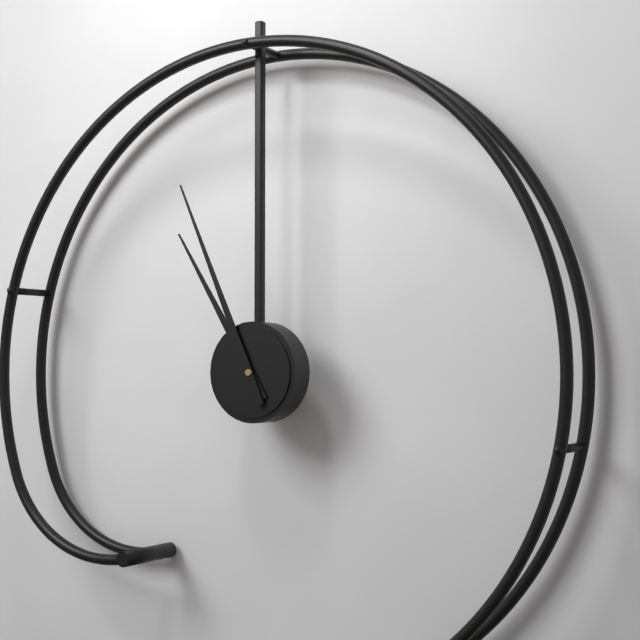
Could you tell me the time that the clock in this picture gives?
10:56
